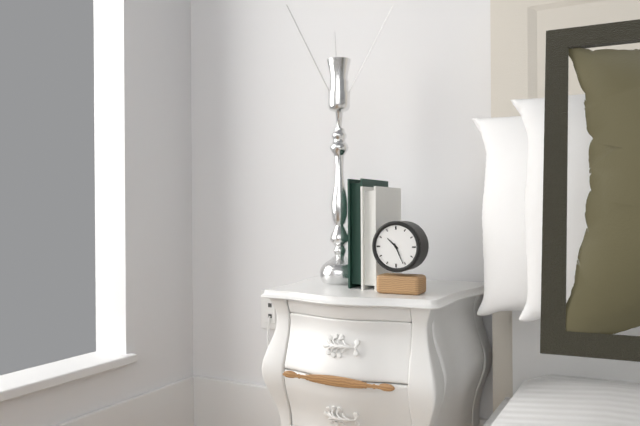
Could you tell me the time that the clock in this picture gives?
10:26
